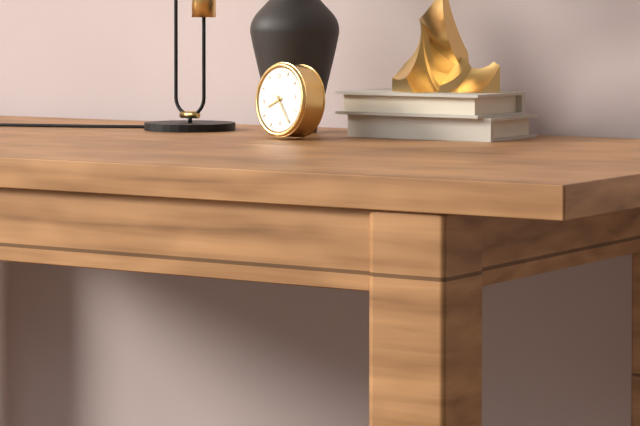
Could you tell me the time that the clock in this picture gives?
8:25
